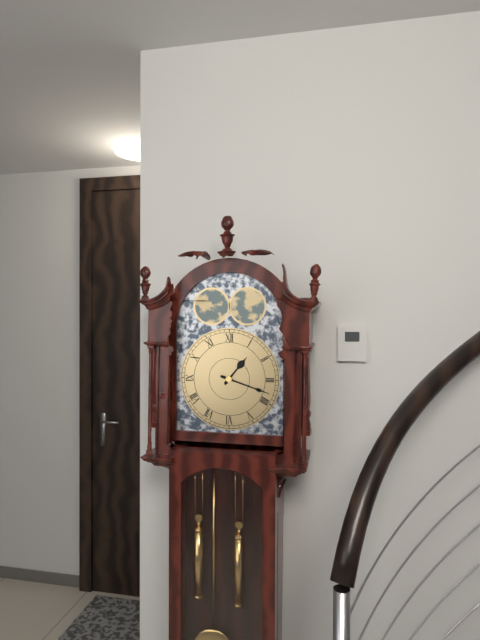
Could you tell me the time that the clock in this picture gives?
1:18
